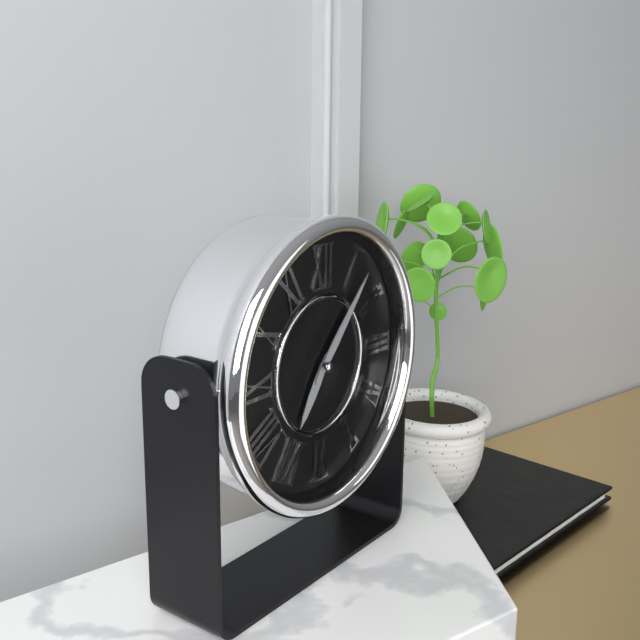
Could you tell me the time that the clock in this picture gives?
7:07
